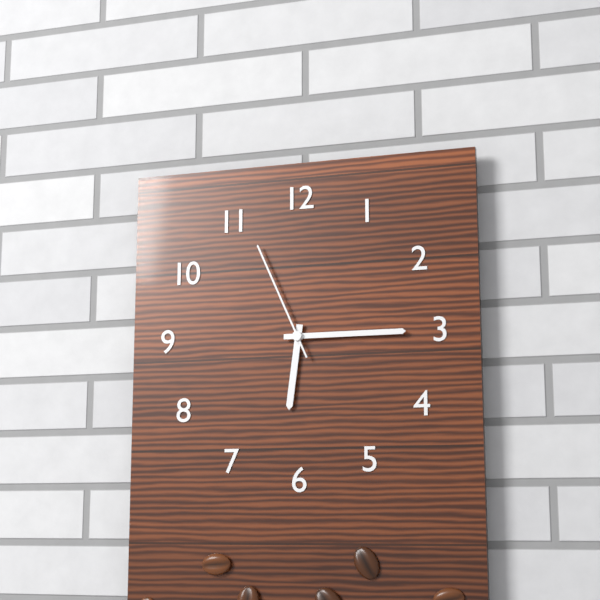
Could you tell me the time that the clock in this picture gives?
6:15:56
